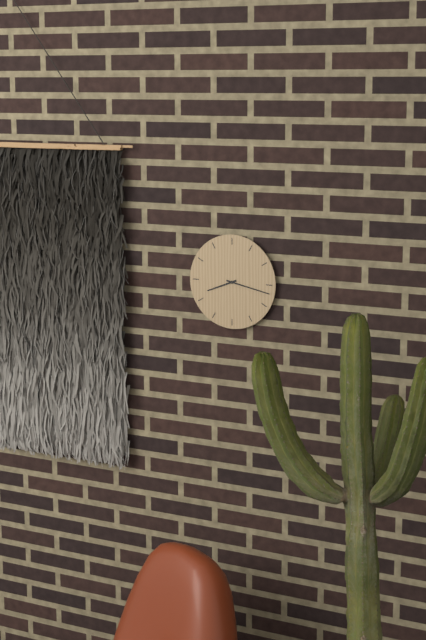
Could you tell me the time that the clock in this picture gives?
8:17
